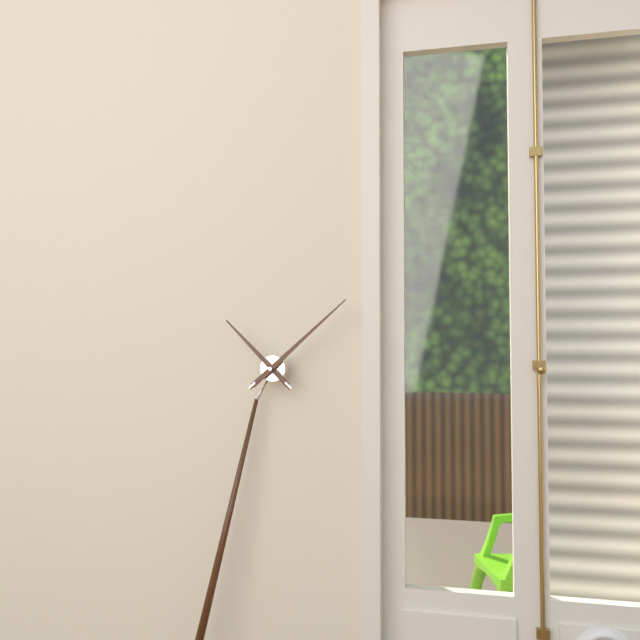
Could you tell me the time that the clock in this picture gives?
10:06
